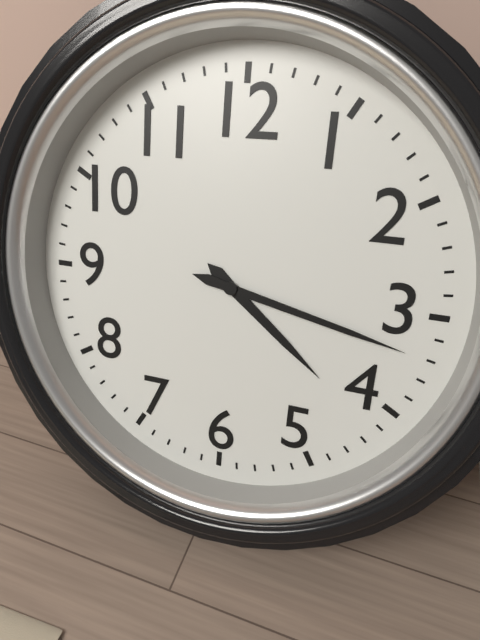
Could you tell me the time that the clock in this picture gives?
4:17
